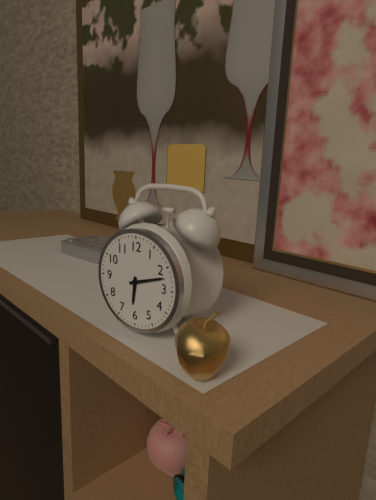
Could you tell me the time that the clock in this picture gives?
6:12
